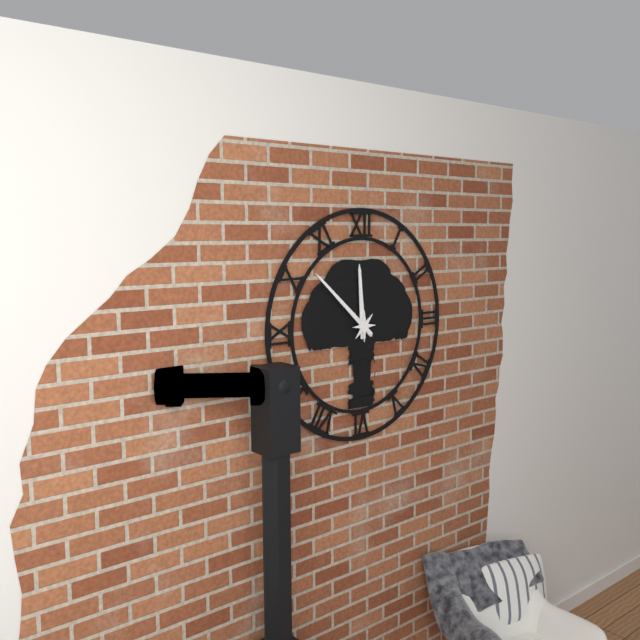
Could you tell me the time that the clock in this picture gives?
11:52
